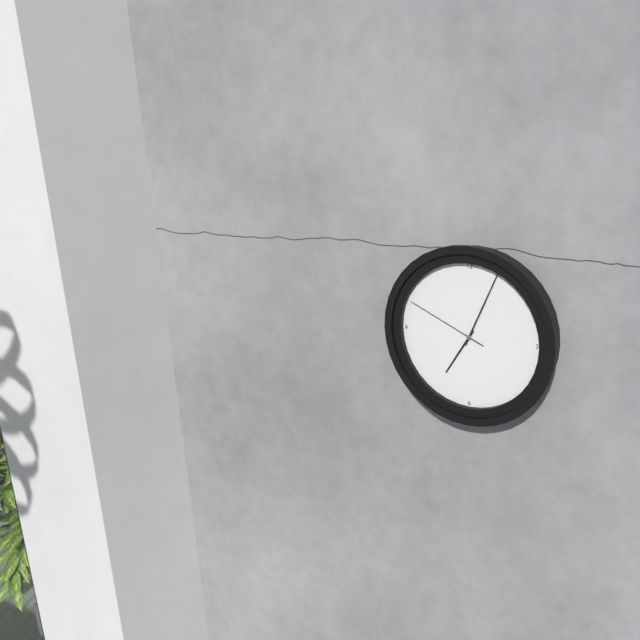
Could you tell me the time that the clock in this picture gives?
7:04:49
